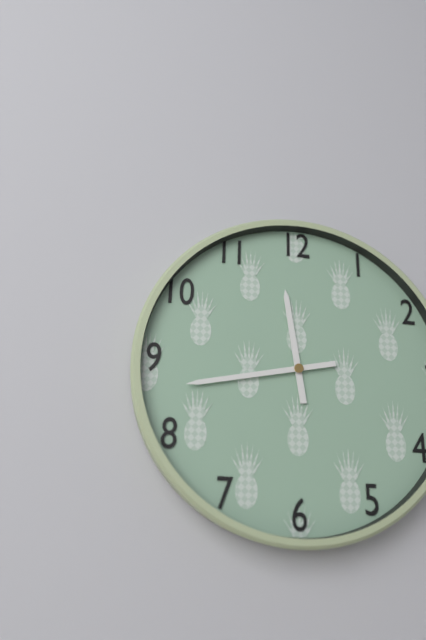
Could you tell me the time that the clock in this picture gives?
11:43
